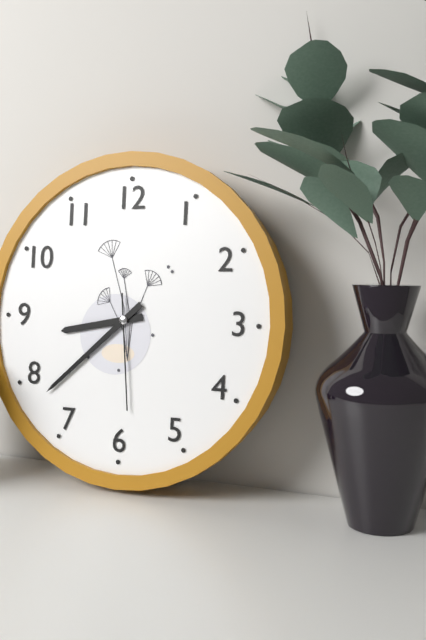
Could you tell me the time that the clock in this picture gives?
8:38:29
